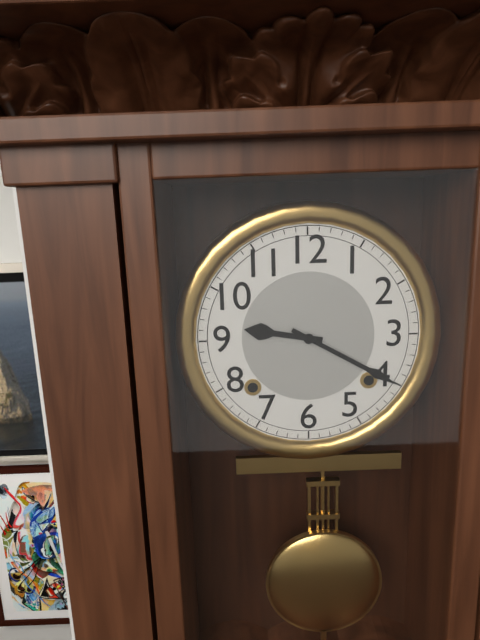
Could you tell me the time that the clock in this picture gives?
9:20
